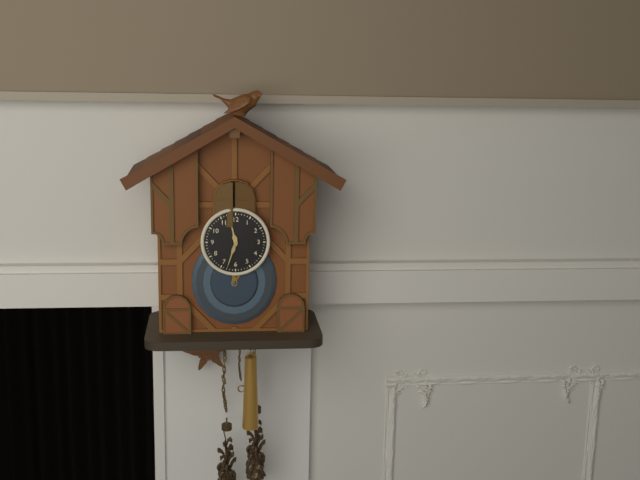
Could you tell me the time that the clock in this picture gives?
11:33
